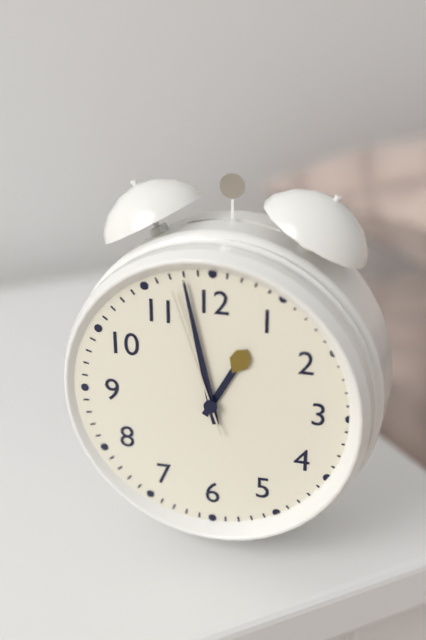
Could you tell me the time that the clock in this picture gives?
12:58:57
